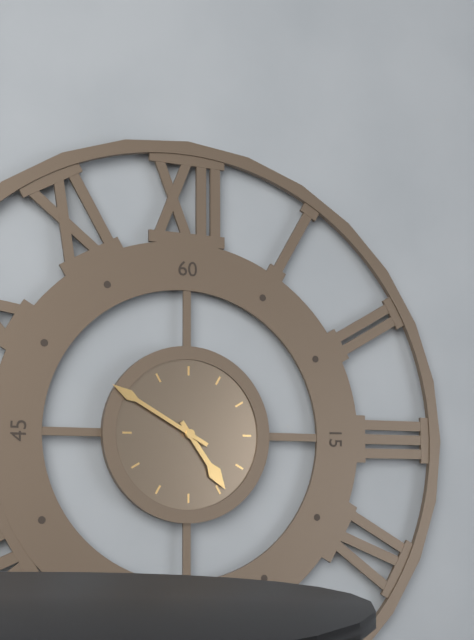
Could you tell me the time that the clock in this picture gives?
4:50
